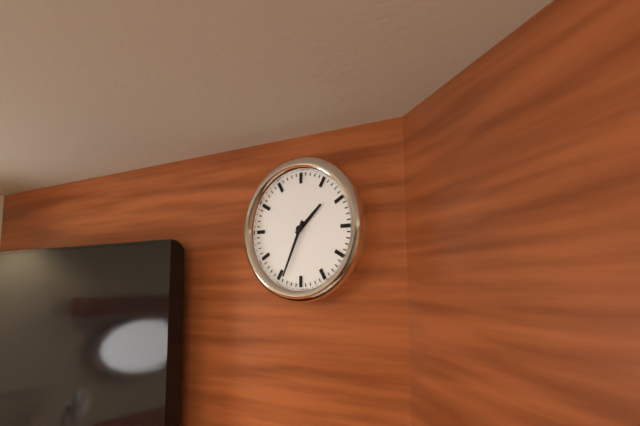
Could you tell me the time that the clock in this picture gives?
1:34
